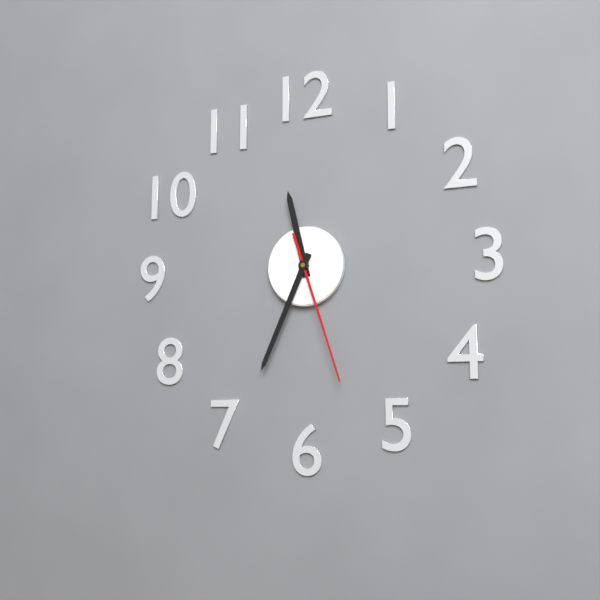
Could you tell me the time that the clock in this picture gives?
11:34:27
